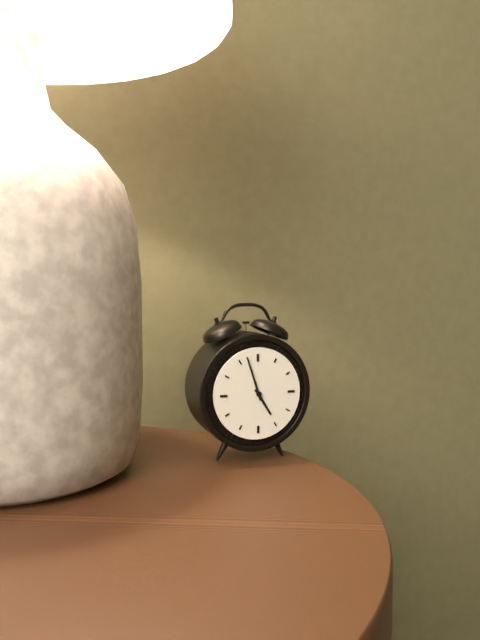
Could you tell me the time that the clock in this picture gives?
4:57
